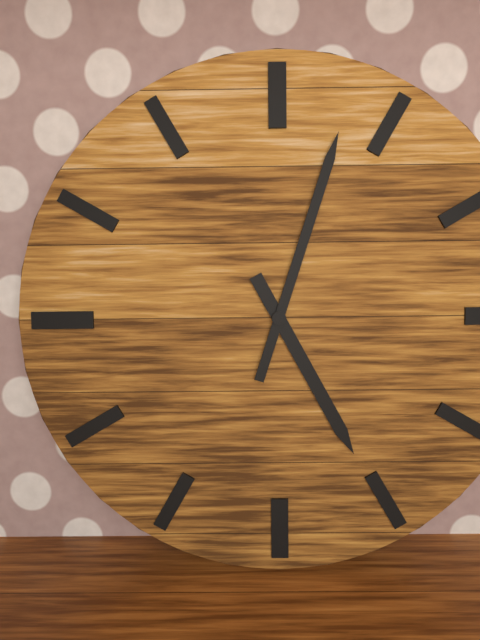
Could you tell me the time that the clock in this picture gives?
5:03
